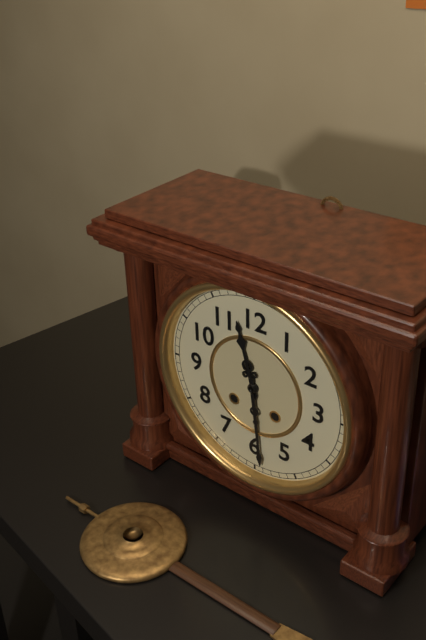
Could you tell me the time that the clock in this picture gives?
11:29
